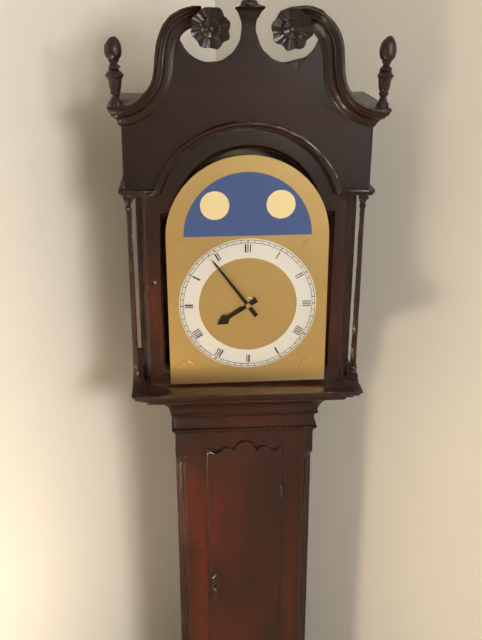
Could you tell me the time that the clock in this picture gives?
7:54
